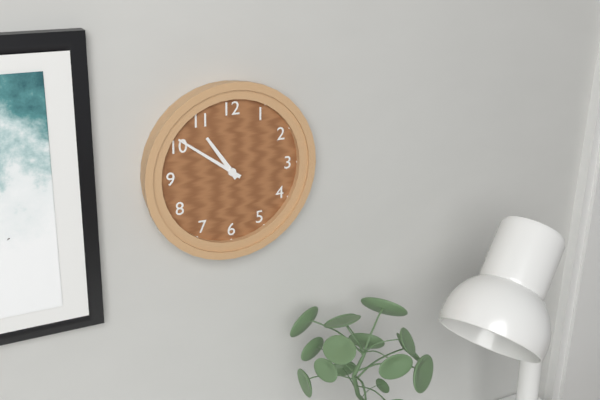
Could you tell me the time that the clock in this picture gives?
10:51
